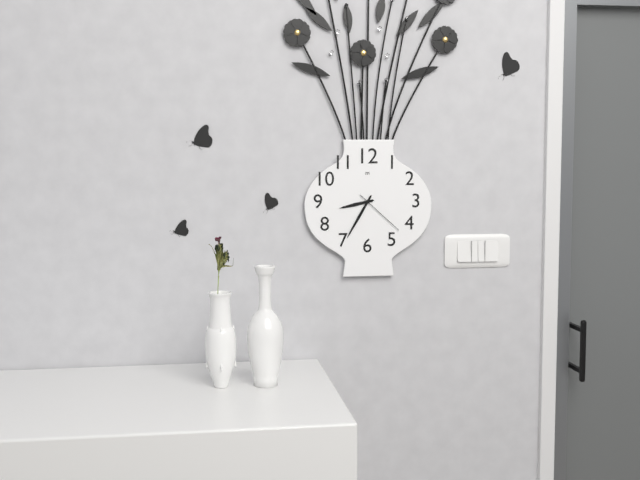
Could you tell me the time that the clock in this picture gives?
8:35:22
